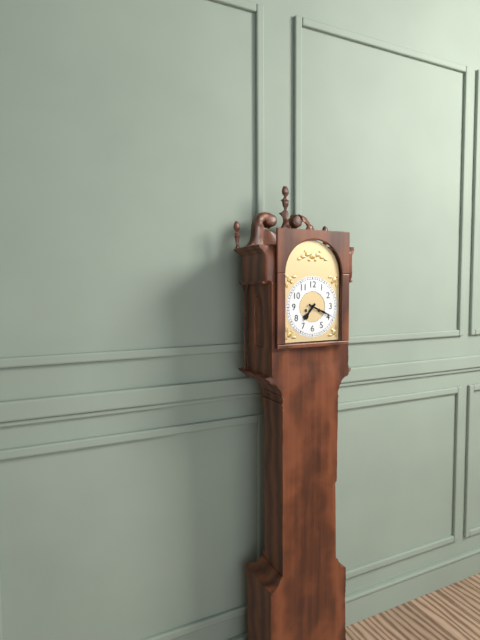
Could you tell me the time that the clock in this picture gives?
7:19
